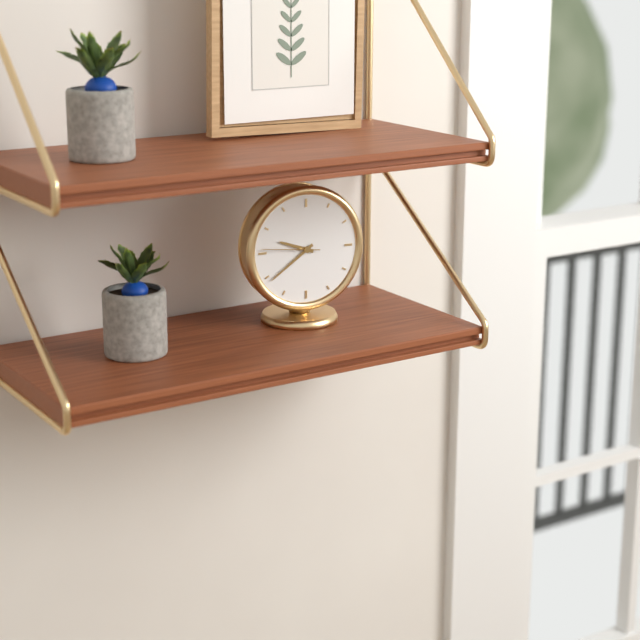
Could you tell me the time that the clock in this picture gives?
9:39:46
